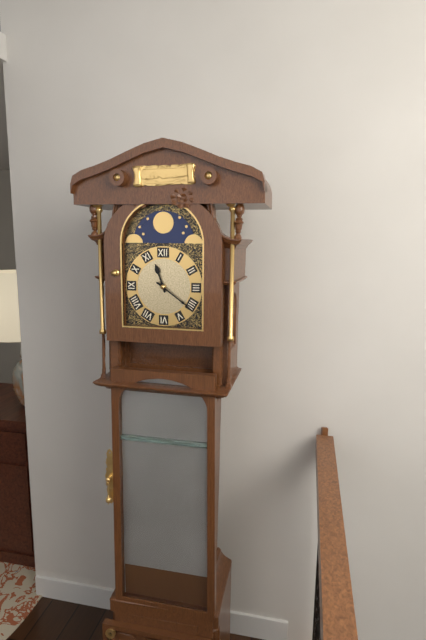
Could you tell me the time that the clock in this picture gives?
11:21
